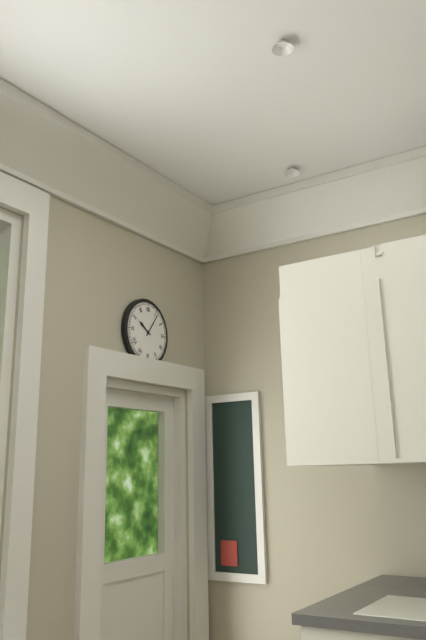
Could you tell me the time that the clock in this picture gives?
10:06
